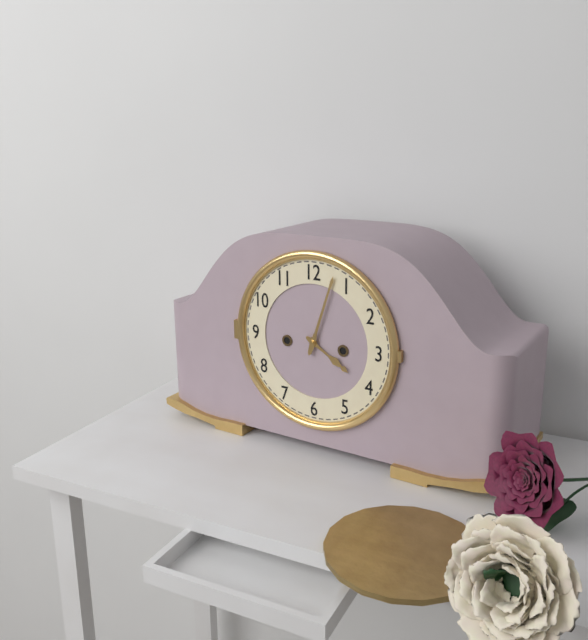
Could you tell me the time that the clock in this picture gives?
4:03
